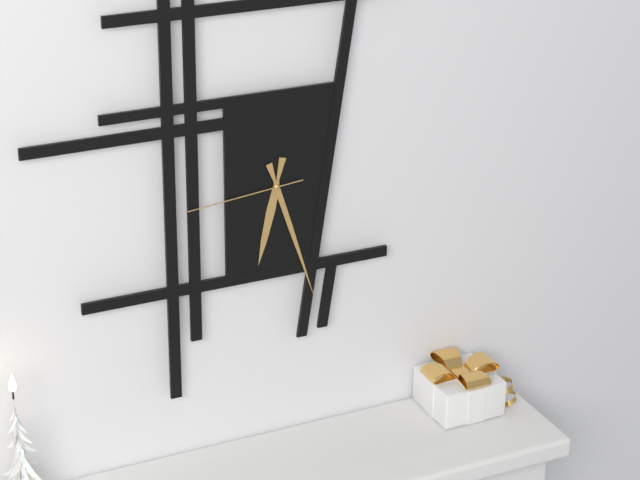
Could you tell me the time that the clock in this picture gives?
6:27:44
